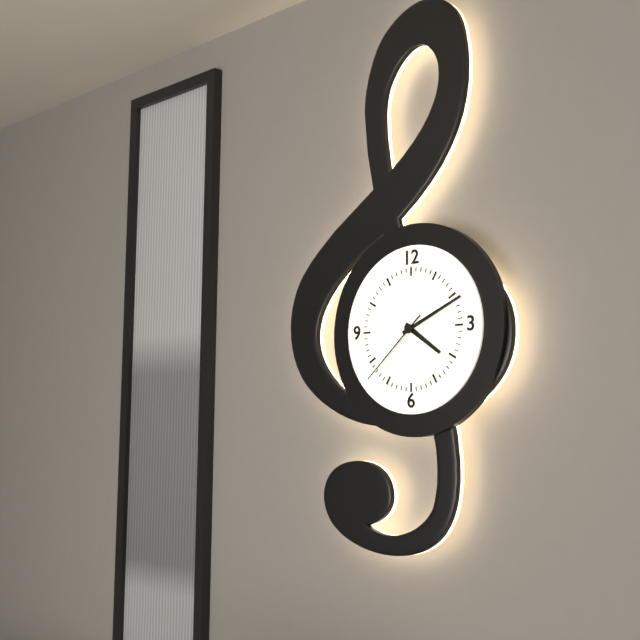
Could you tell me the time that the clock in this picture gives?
4:11:38
